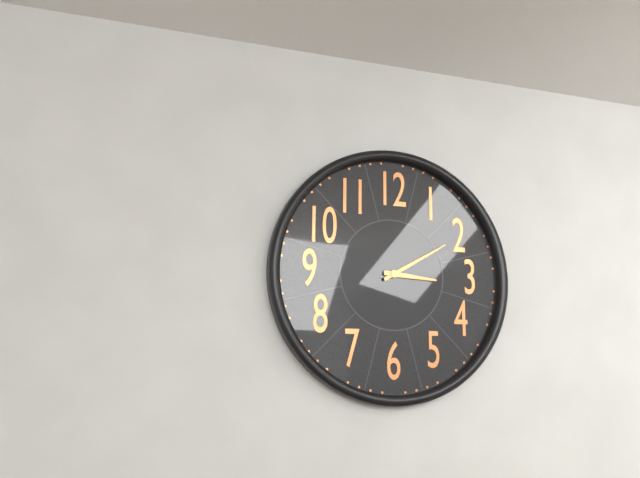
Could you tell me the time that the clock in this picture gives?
3:10
